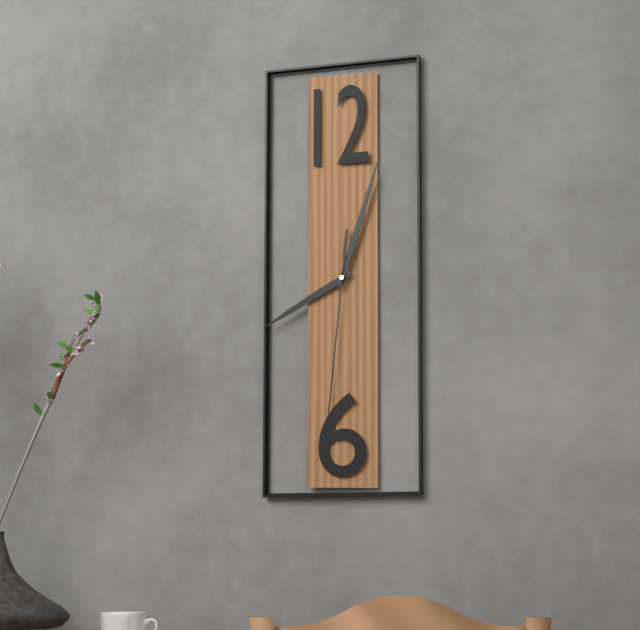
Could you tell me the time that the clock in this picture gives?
8:03:31
